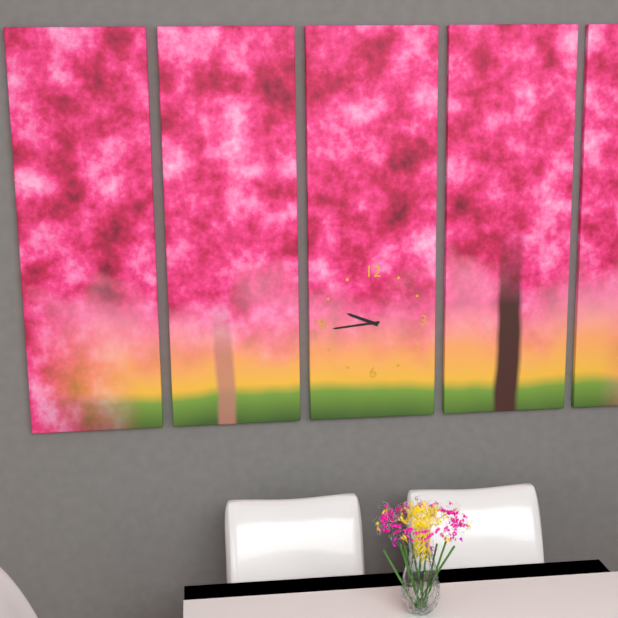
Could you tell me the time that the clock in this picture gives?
9:44
